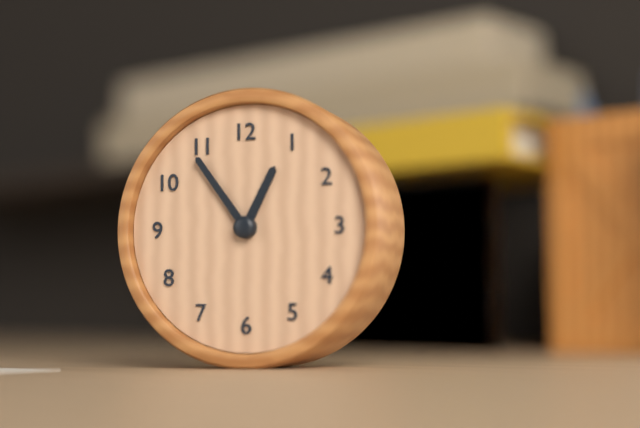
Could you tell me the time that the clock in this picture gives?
12:54
